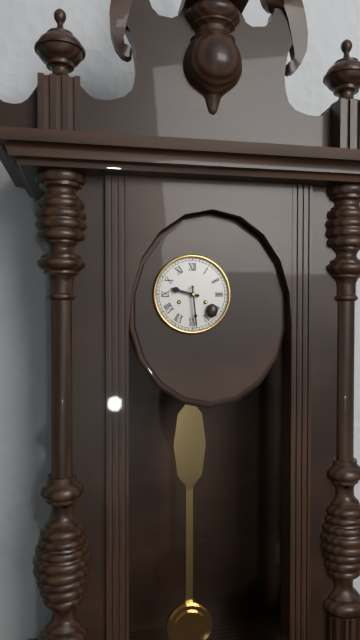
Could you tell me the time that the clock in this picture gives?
9:29
